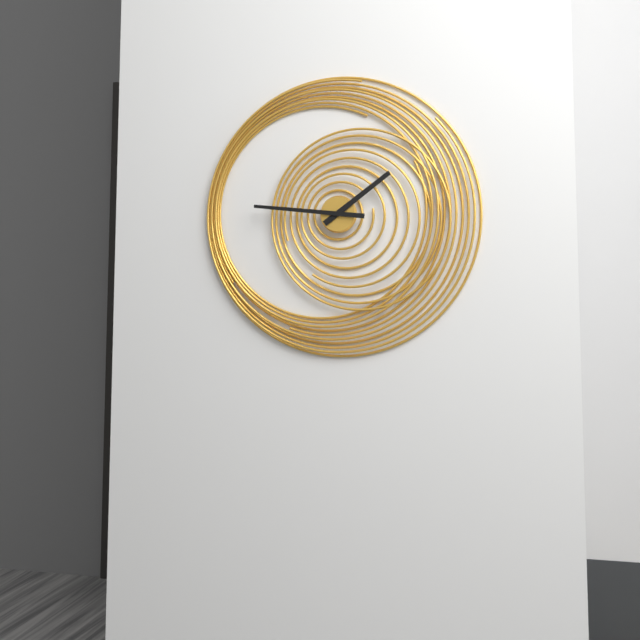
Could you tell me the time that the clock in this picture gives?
1:46
